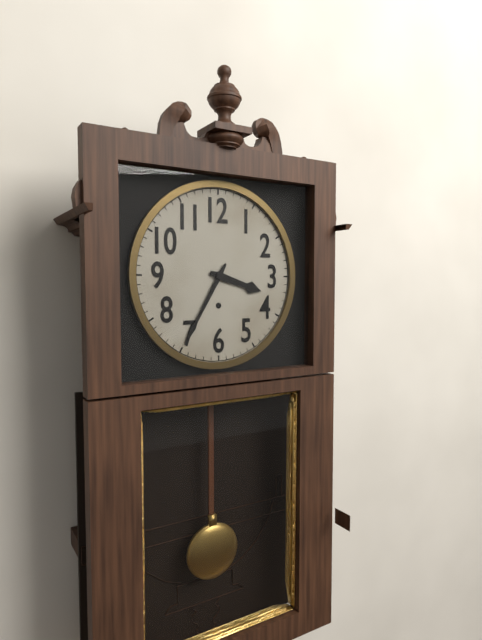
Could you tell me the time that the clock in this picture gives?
3:35
